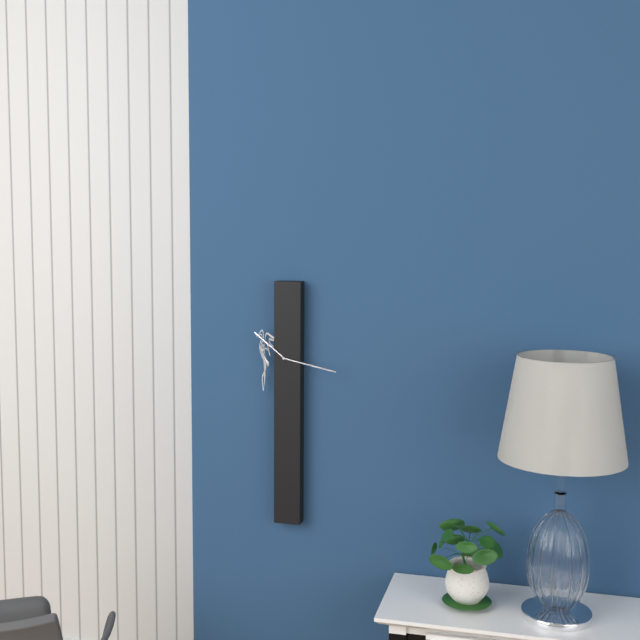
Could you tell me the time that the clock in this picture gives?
10:17
